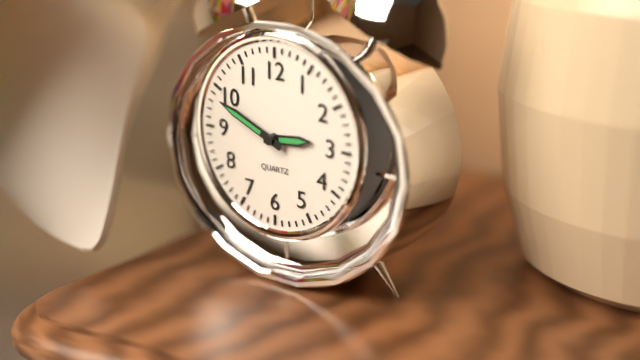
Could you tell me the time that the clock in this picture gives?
2:49
